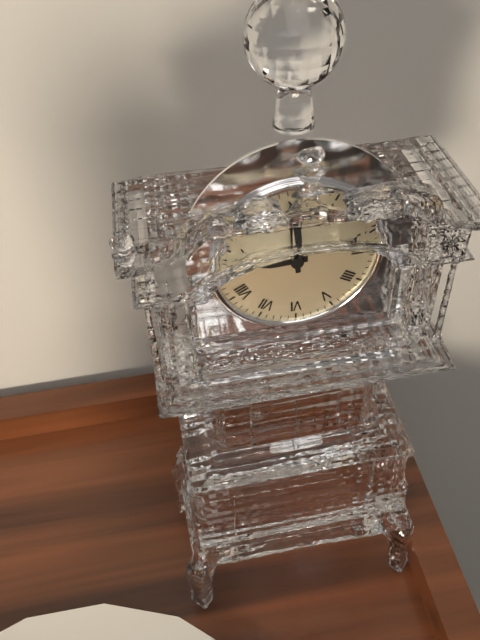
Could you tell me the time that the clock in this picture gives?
8:59
